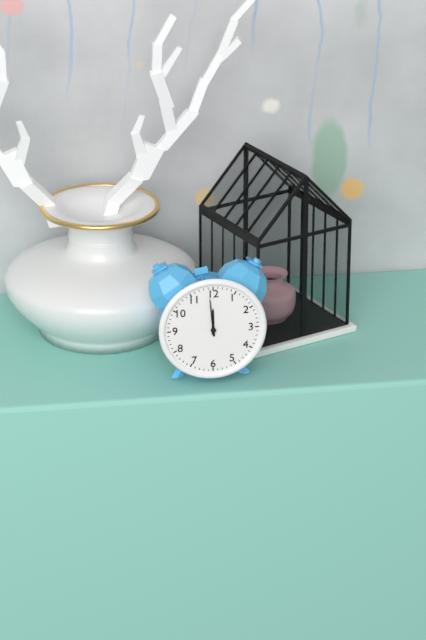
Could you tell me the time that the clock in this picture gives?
11:59
